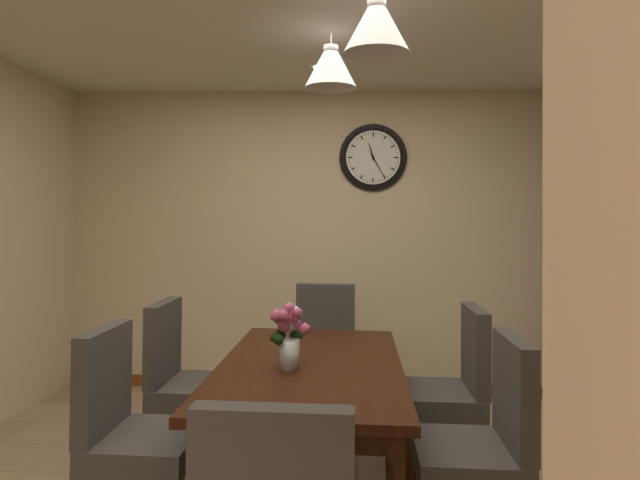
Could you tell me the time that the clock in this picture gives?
11:25
